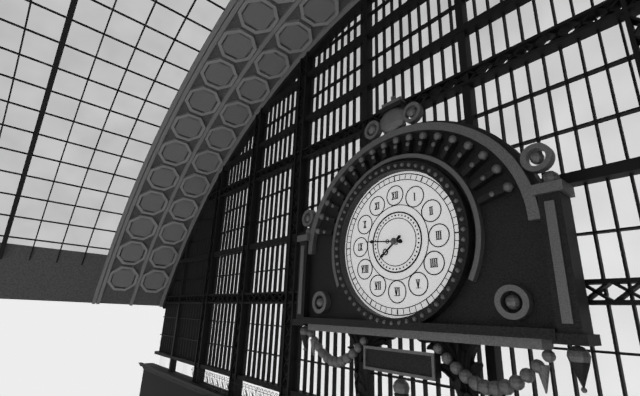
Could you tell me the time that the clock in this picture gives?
7:46
